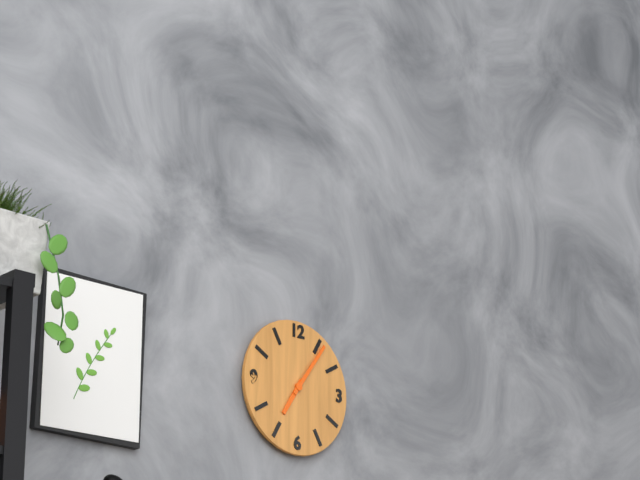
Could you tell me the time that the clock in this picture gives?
7:06
